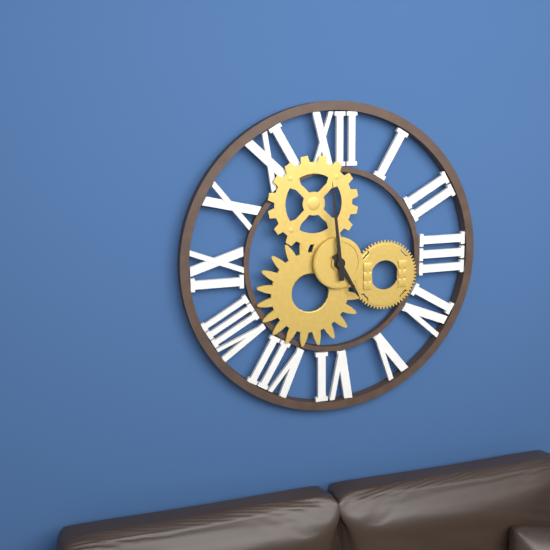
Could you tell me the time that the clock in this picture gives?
4:59
